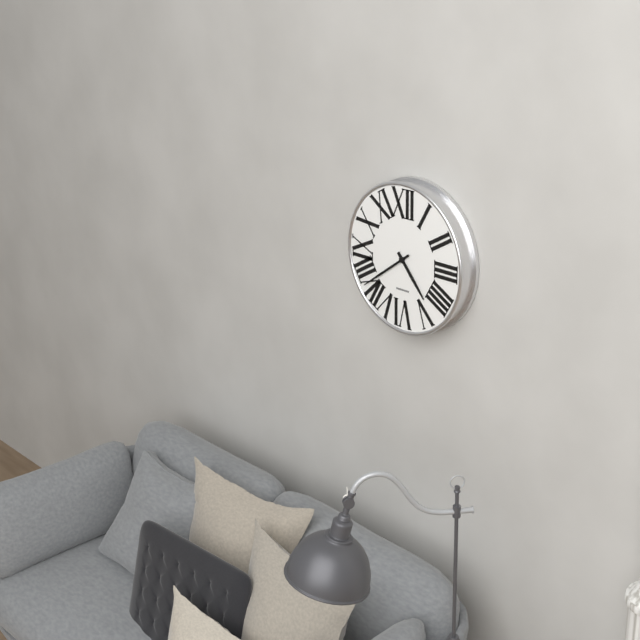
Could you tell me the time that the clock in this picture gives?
4:39
